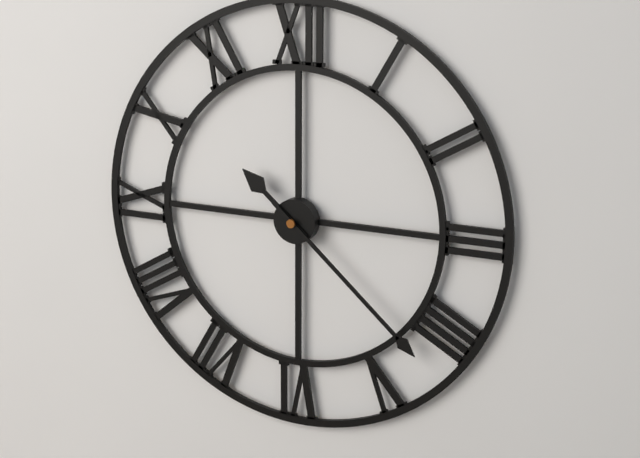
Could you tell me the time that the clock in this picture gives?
10:22
